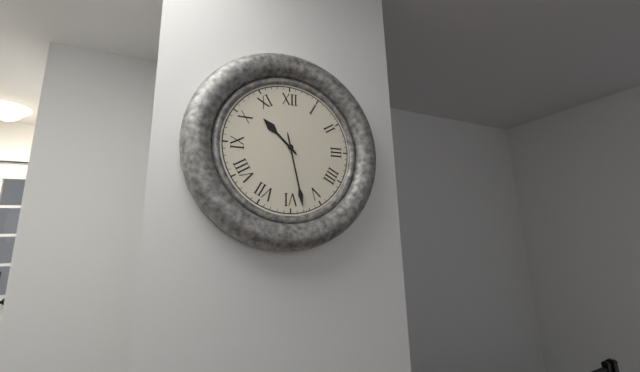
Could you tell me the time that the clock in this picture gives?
10:28
